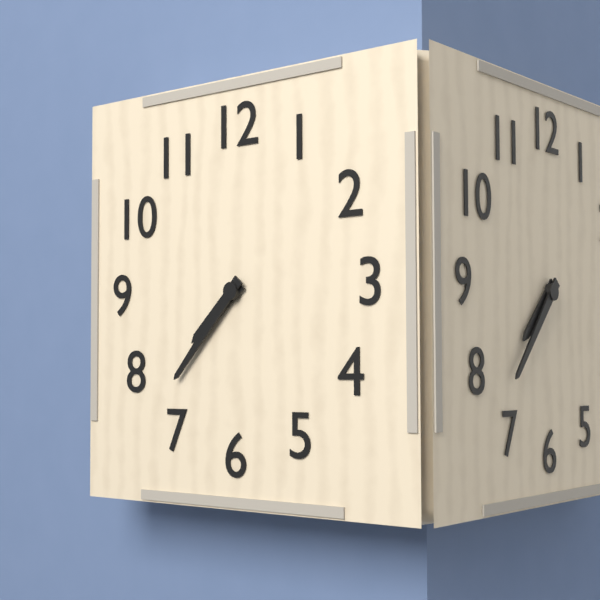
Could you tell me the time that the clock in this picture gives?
7:37
